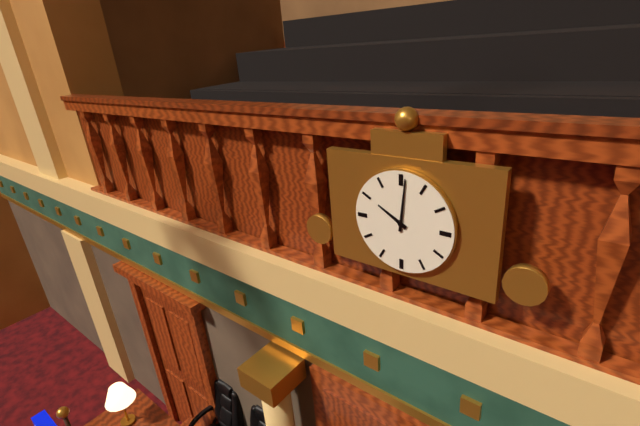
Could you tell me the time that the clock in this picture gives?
10:01
